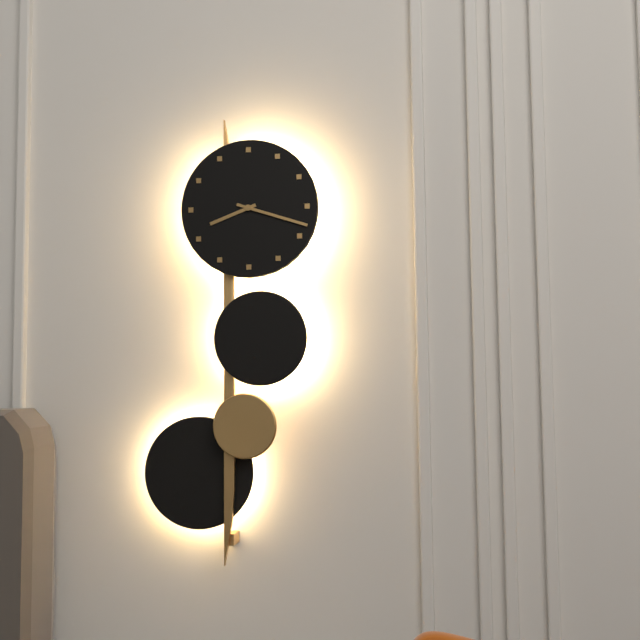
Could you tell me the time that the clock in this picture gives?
8:18
